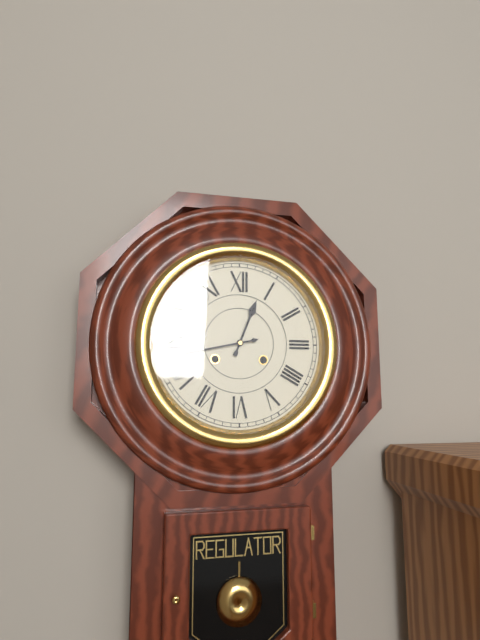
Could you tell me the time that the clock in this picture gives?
12:43
